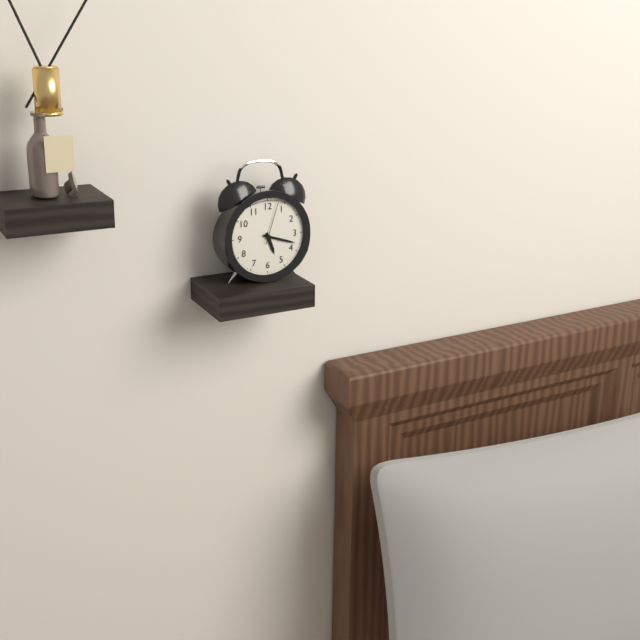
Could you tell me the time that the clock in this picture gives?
5:18
